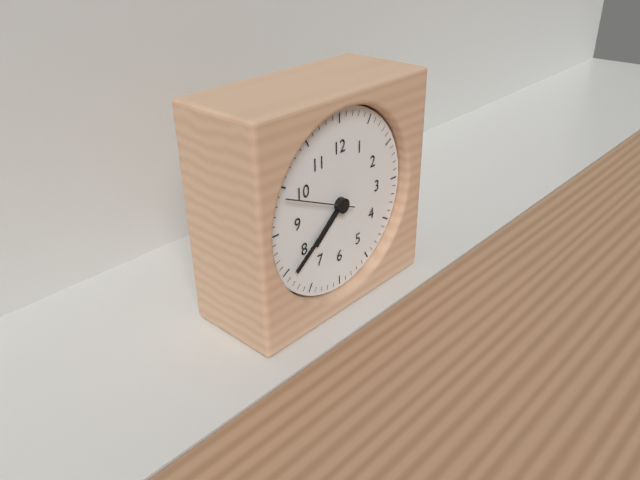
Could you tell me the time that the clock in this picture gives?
7:39:49
